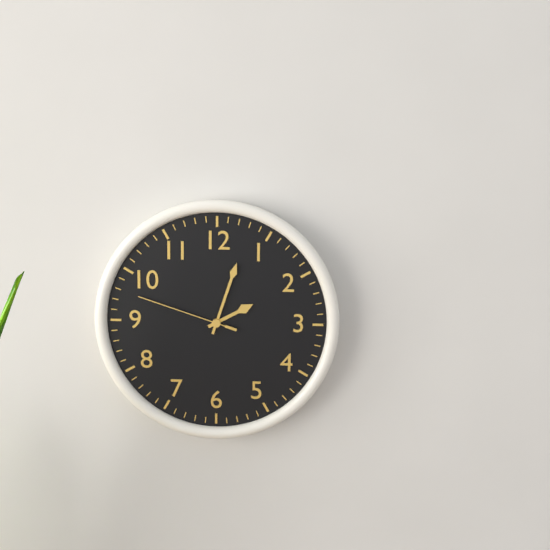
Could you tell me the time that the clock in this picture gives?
2:03:48
